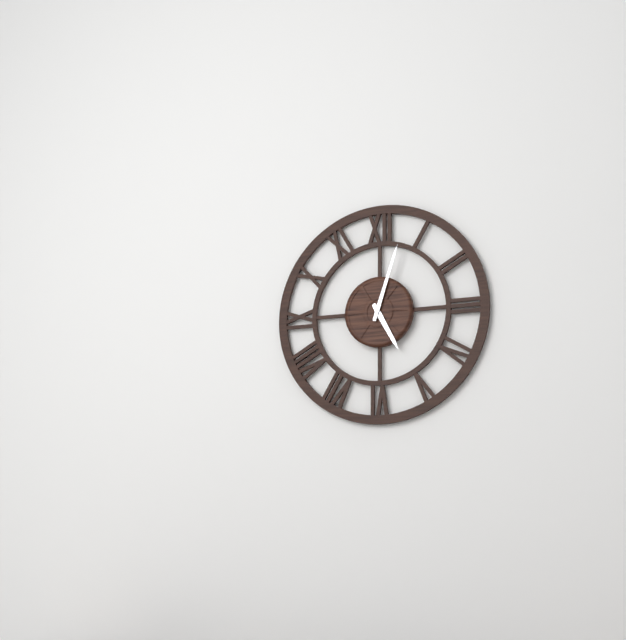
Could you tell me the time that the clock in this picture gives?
5:03
